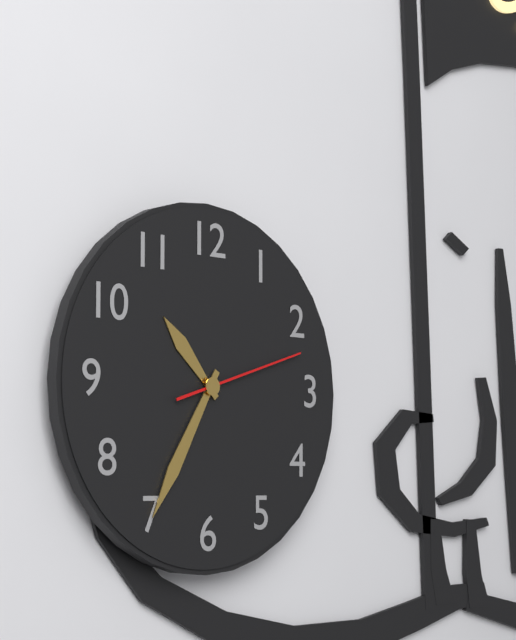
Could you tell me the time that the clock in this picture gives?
10:35:12
